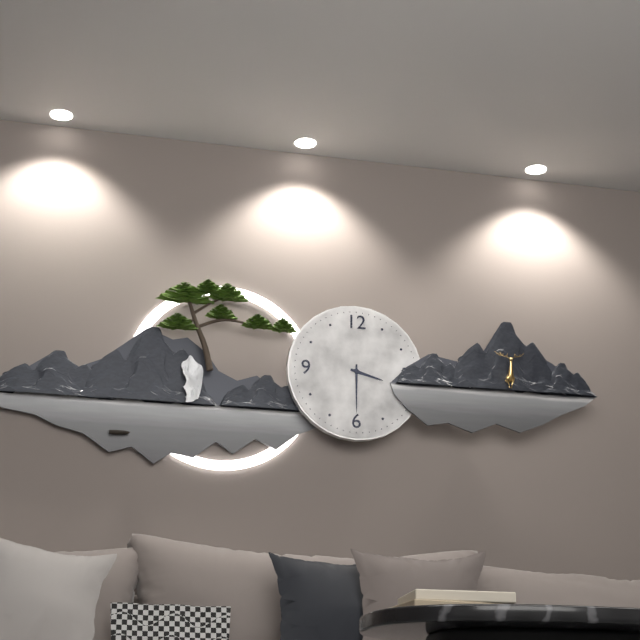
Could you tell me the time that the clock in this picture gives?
3:30
